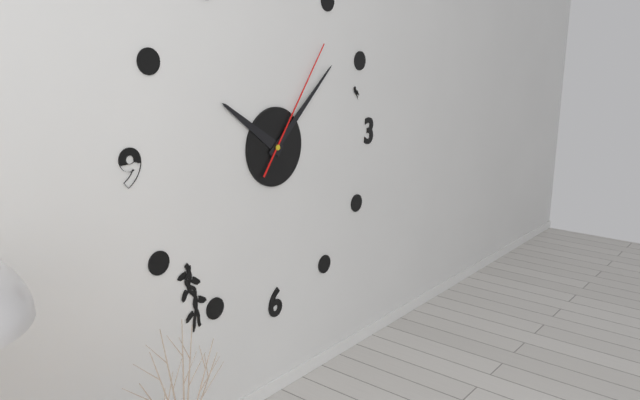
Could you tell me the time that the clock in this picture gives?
10:08:06
